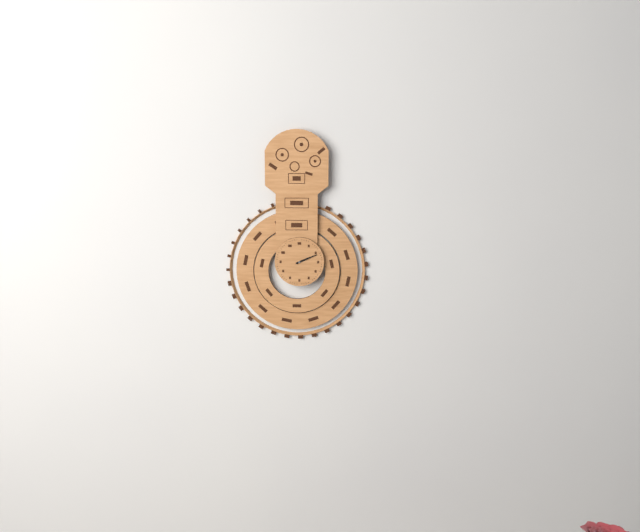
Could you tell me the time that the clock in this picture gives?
2:11
